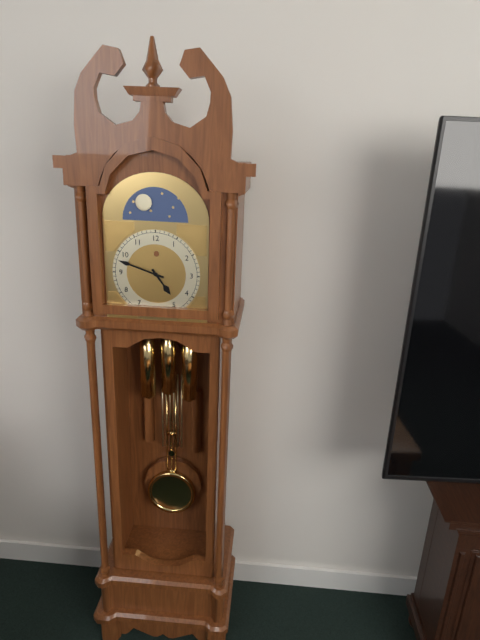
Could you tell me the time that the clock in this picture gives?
4:48
